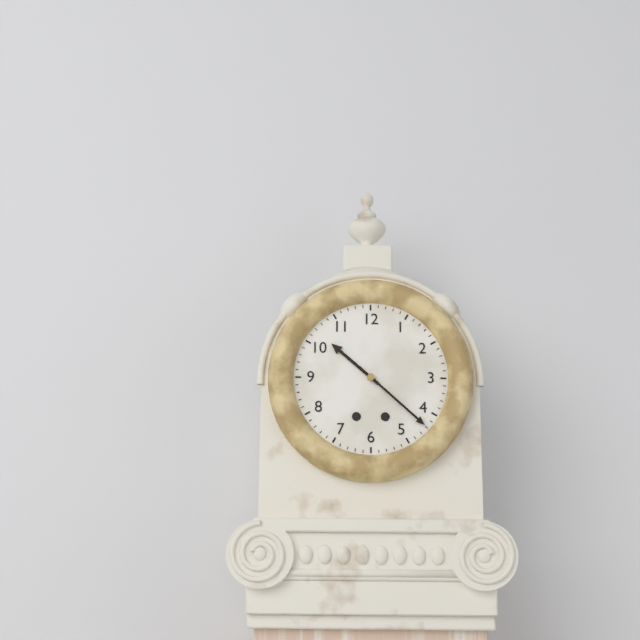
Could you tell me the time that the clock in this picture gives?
10:22
